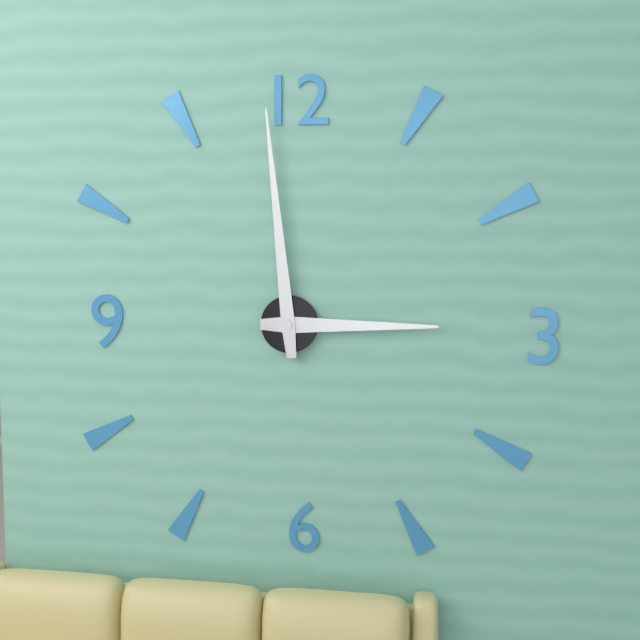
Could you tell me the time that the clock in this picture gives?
2:59
